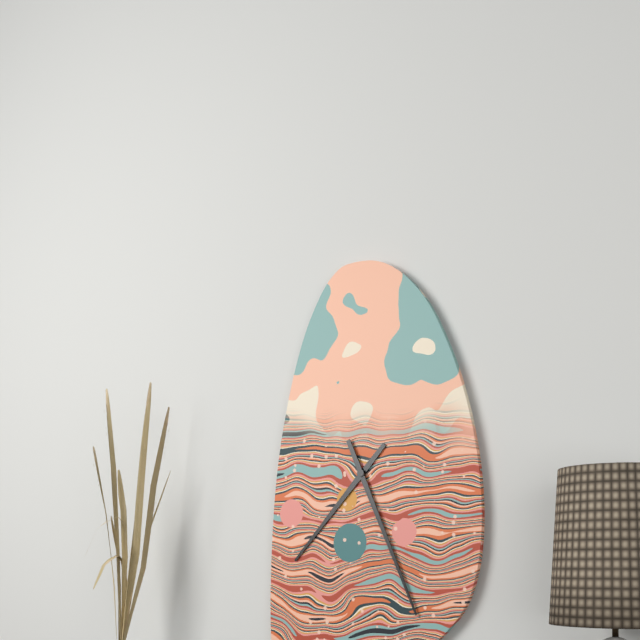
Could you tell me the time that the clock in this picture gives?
7:26
